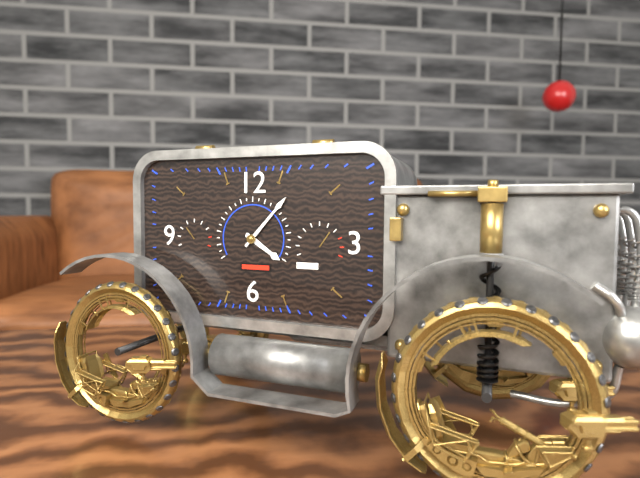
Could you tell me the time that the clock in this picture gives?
4:07
